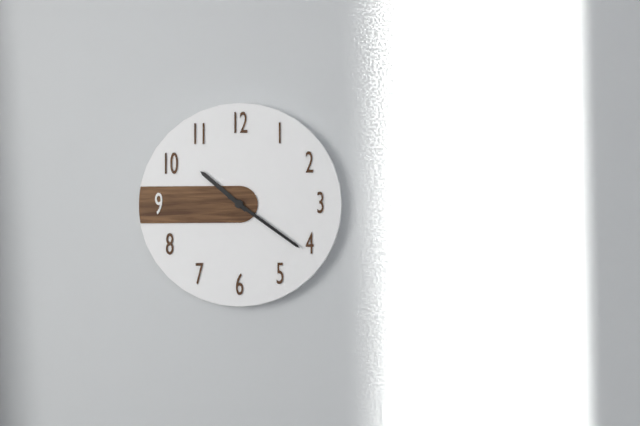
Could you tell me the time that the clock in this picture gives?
10:21
